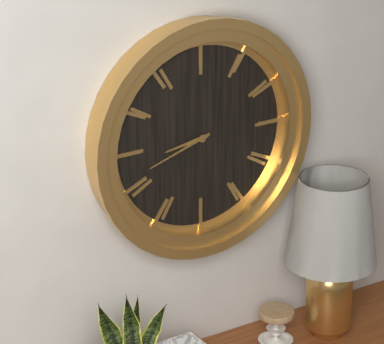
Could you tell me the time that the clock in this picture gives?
8:42
